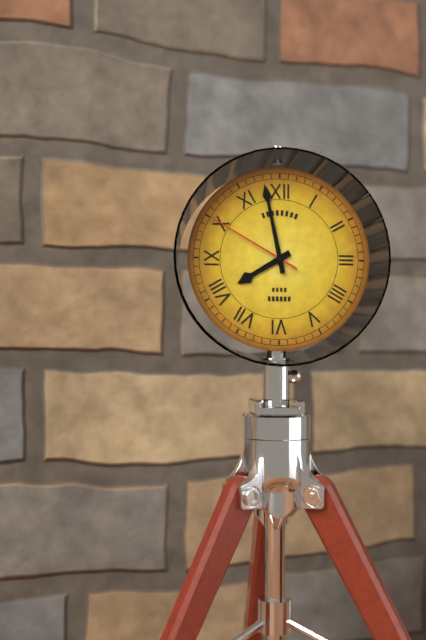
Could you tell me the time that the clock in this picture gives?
7:58:50
